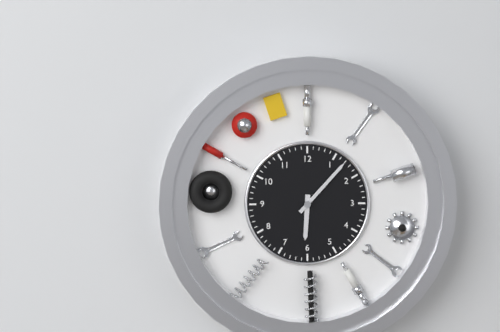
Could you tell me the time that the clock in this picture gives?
6:07
